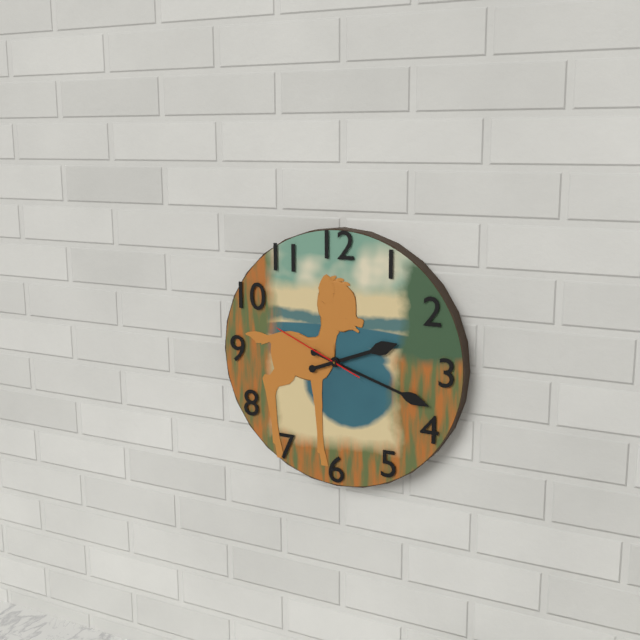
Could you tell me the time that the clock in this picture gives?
2:18:49
